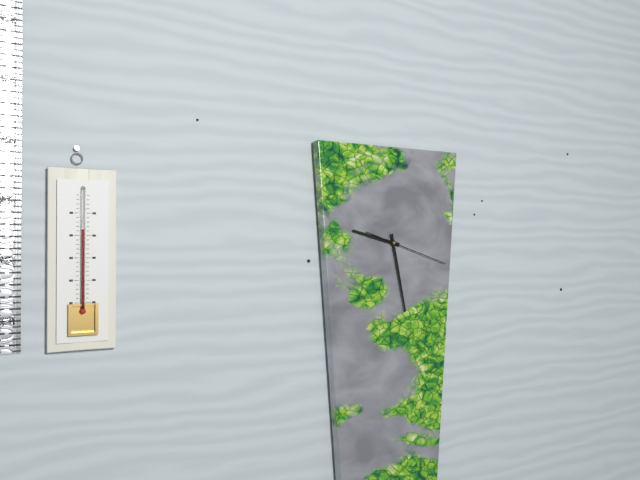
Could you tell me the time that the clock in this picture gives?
9:28:18
